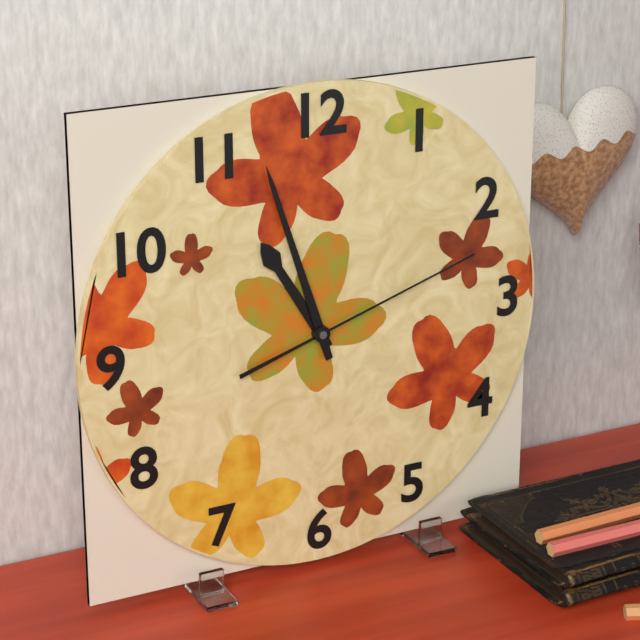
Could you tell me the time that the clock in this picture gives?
10:57:12
